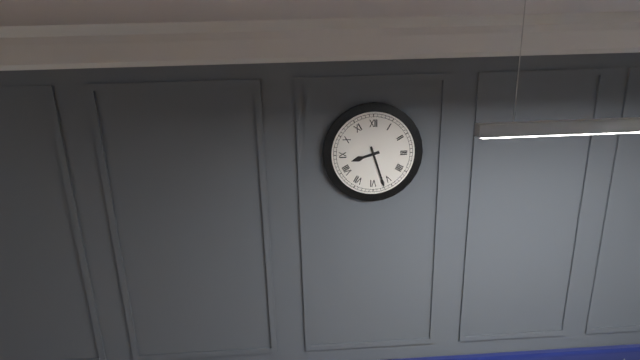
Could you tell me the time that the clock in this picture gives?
8:27
